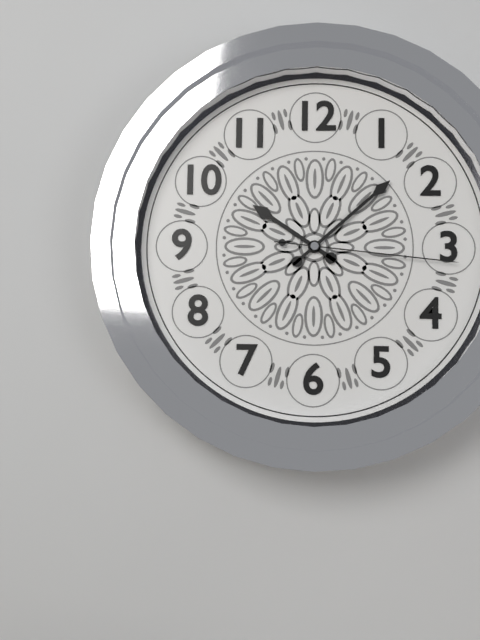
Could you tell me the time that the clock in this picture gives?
10:08:16
